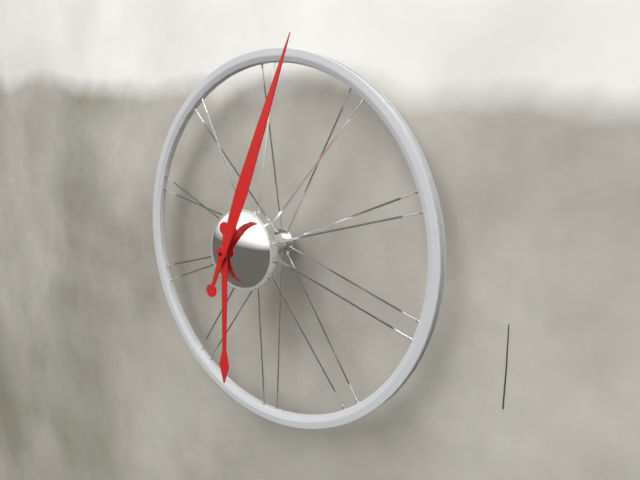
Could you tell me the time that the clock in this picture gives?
6:04
